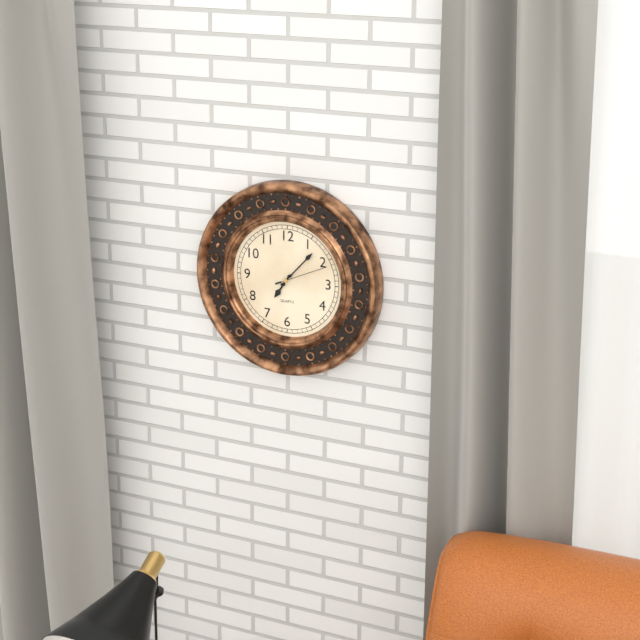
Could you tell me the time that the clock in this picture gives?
7:07:11
